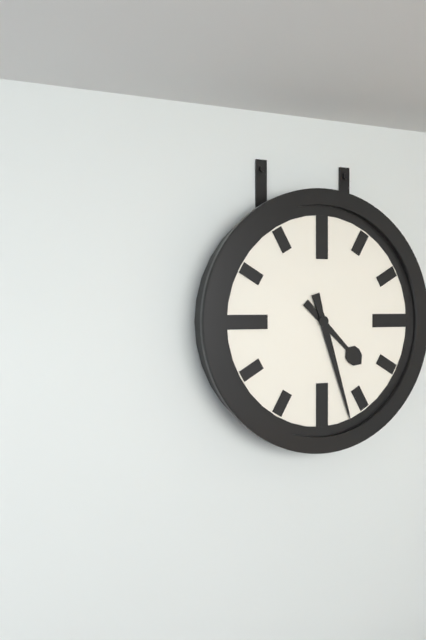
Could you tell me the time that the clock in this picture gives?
4:27
